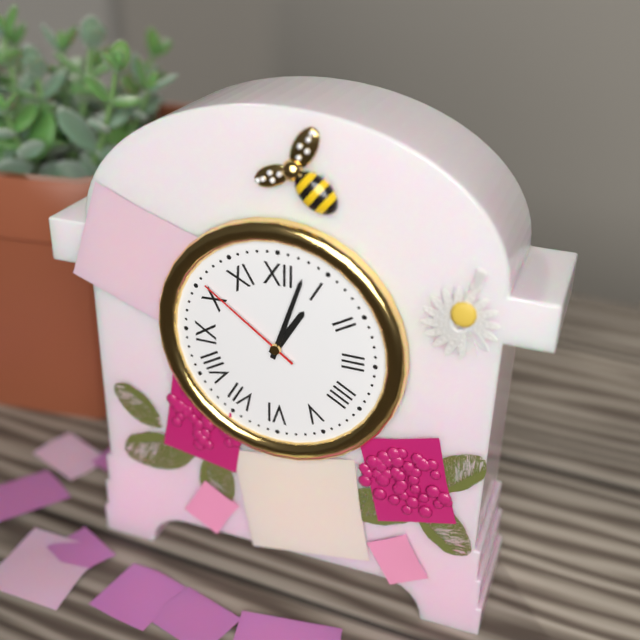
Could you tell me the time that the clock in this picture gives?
1:03:51
